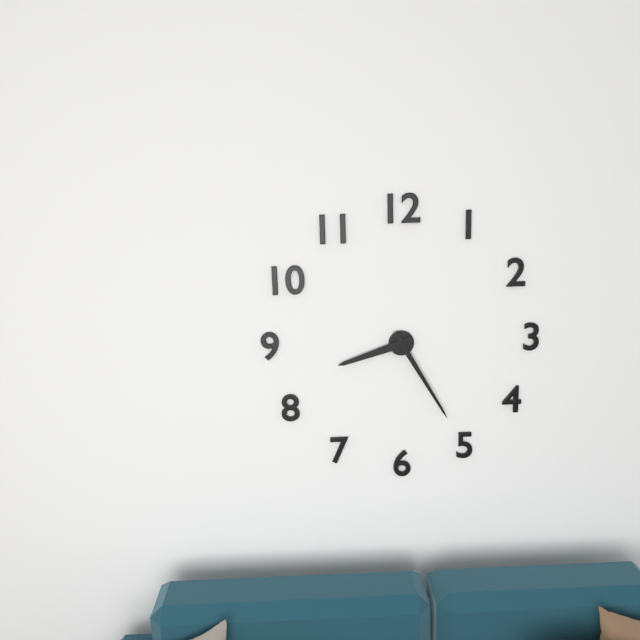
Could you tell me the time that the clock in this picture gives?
8:25
